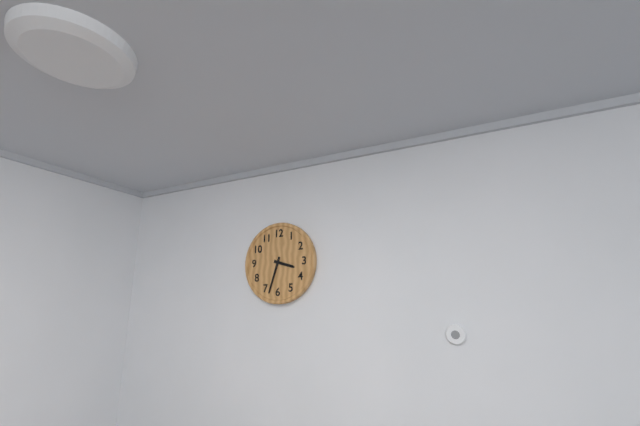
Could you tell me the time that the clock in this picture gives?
3:33
